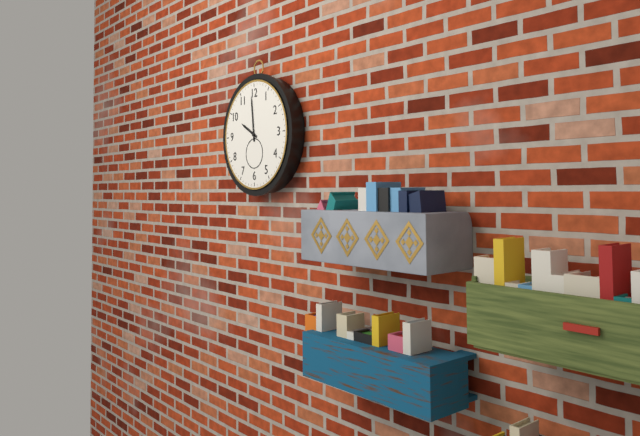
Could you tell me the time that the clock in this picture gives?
9:59
